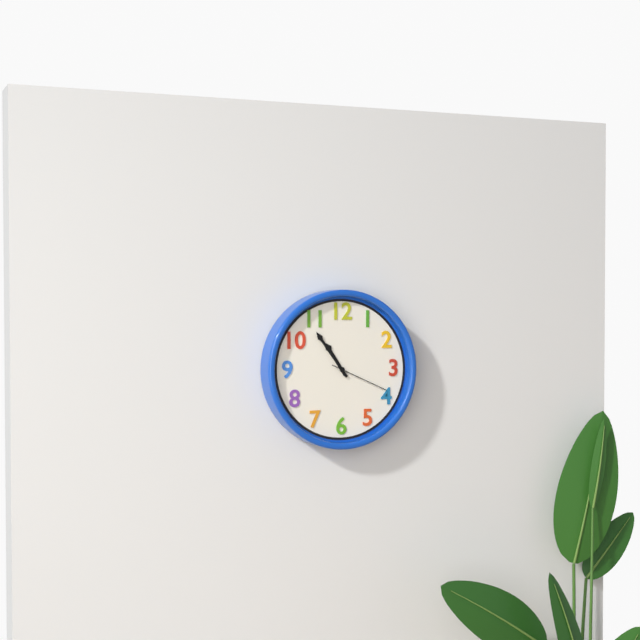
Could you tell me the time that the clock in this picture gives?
10:54:19
